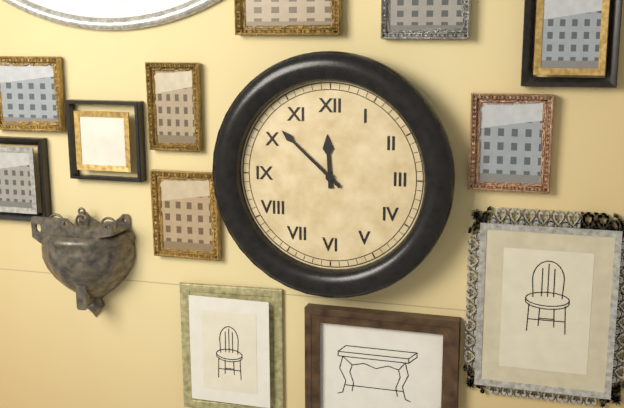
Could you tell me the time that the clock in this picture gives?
11:52
